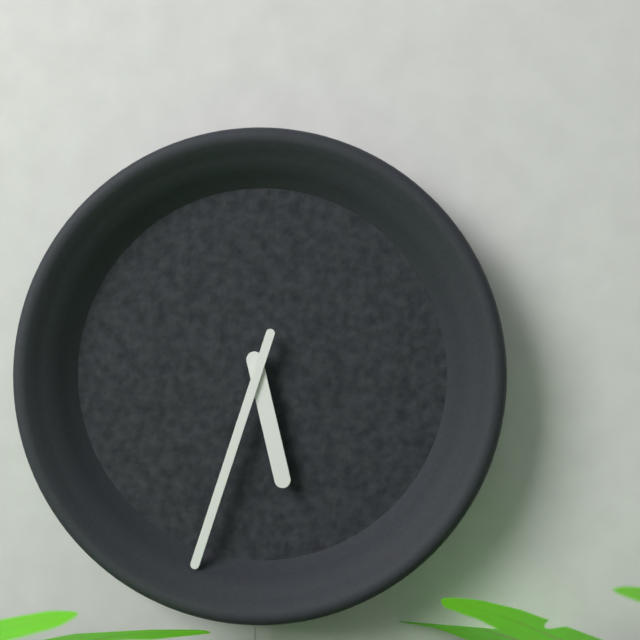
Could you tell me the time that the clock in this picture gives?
5:33
